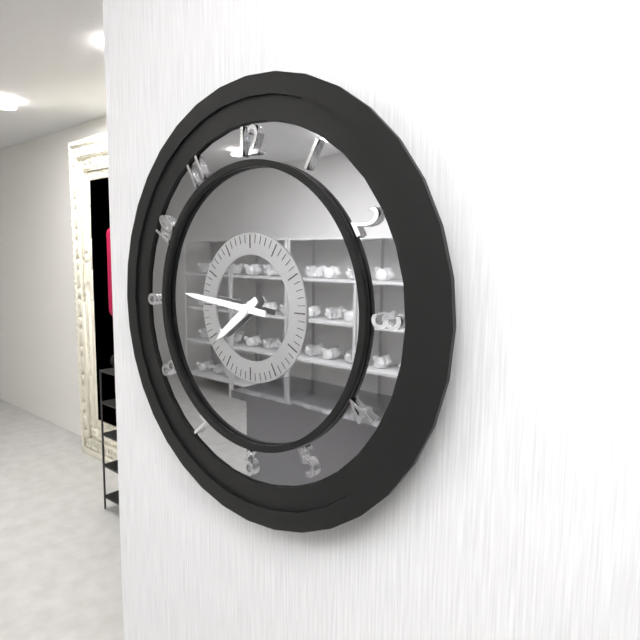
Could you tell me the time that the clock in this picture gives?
7:46
